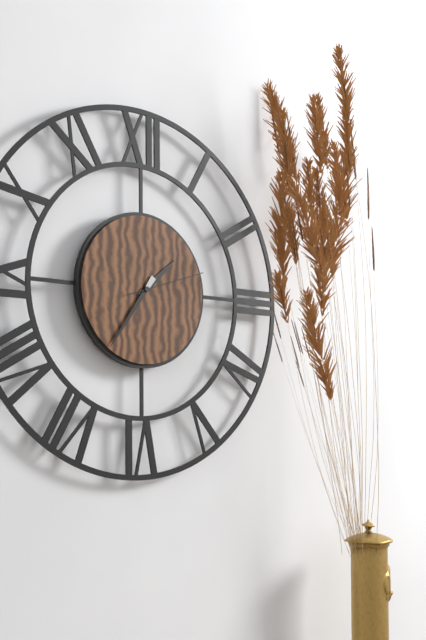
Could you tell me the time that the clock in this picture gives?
1:36:12
